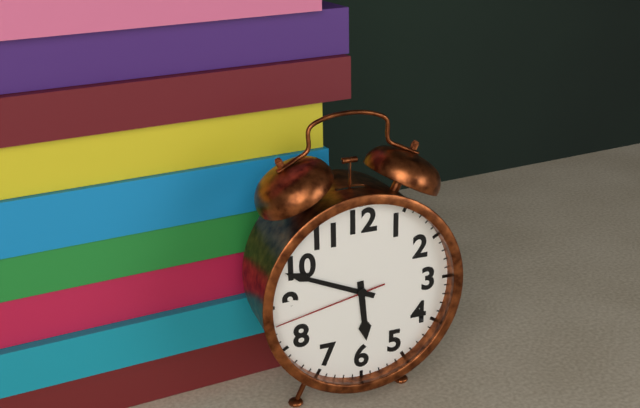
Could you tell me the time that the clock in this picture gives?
5:49:43
